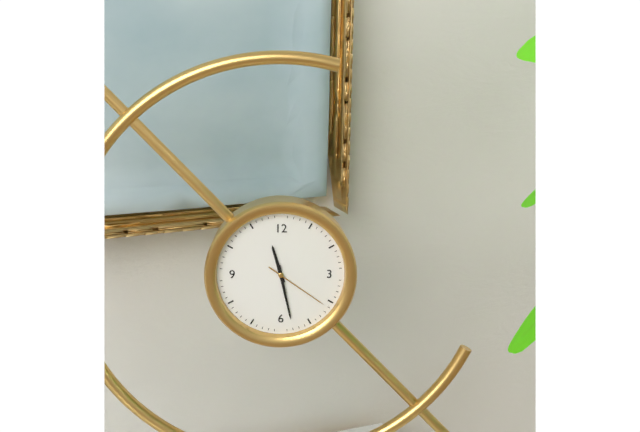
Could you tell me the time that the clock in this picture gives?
11:28:21
